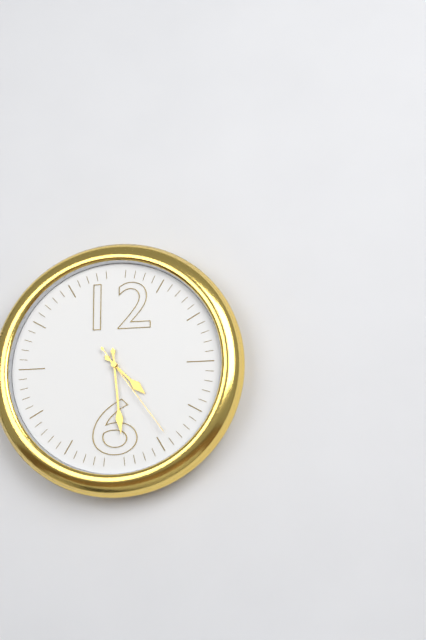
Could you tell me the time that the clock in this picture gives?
4:29:24
